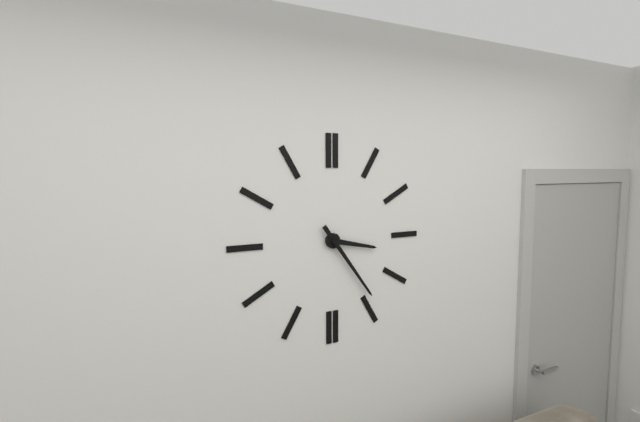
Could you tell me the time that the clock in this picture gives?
3:24
